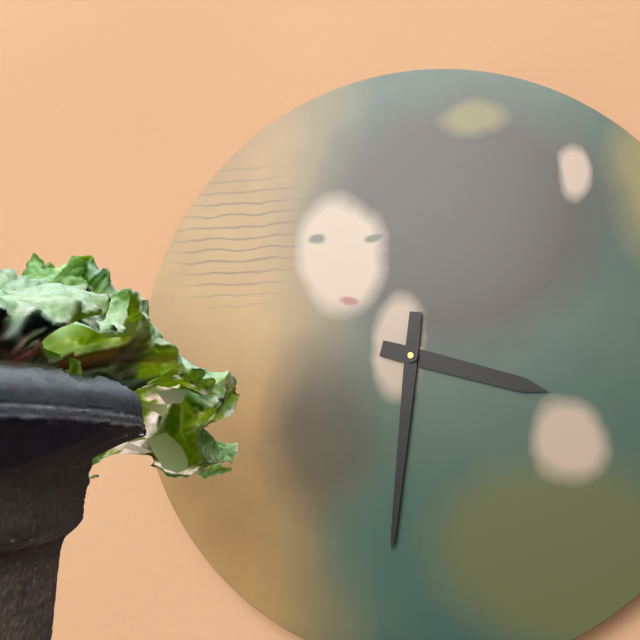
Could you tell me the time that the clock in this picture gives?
3:31
